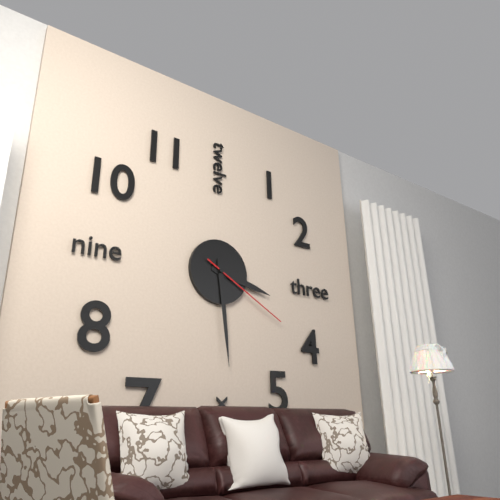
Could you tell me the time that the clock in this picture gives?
3:29:20
